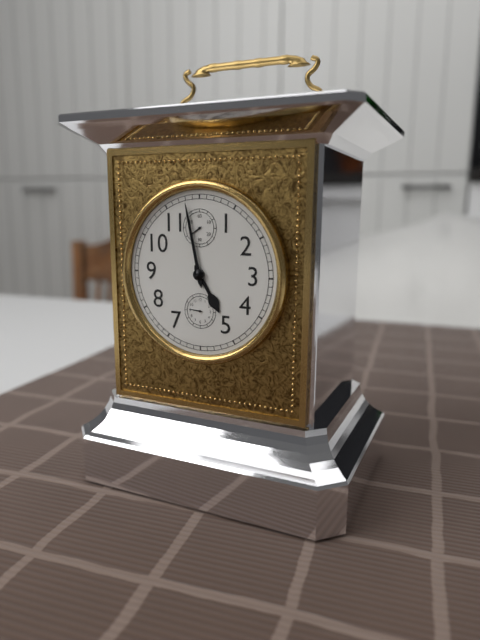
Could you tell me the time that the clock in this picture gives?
4:58
